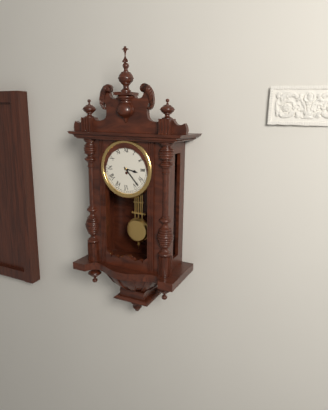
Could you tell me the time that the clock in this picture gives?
3:23
